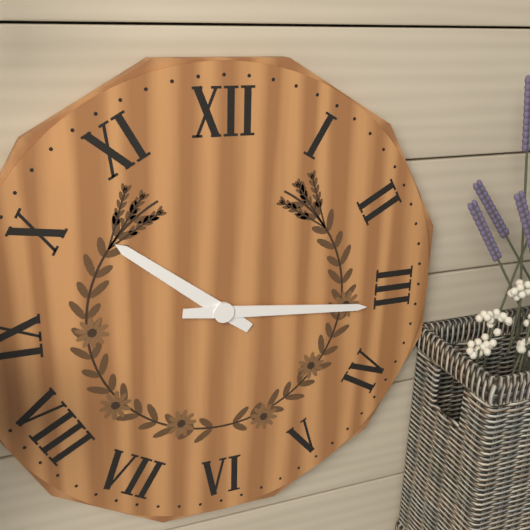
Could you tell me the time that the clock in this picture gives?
10:16
